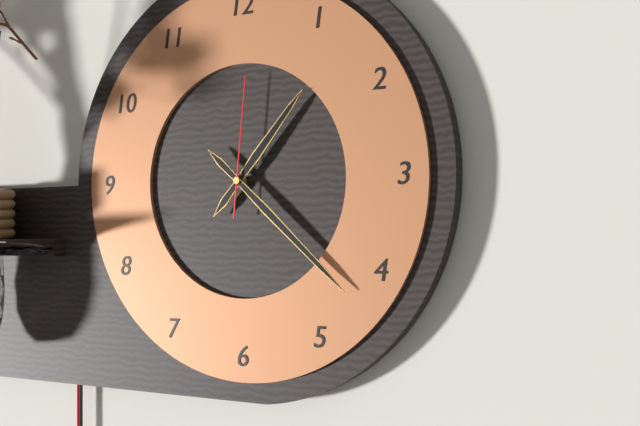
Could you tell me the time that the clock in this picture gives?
1:22:01
